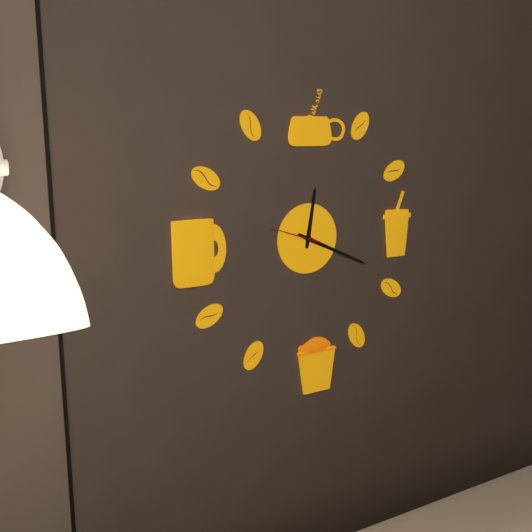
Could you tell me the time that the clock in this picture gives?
12:19
